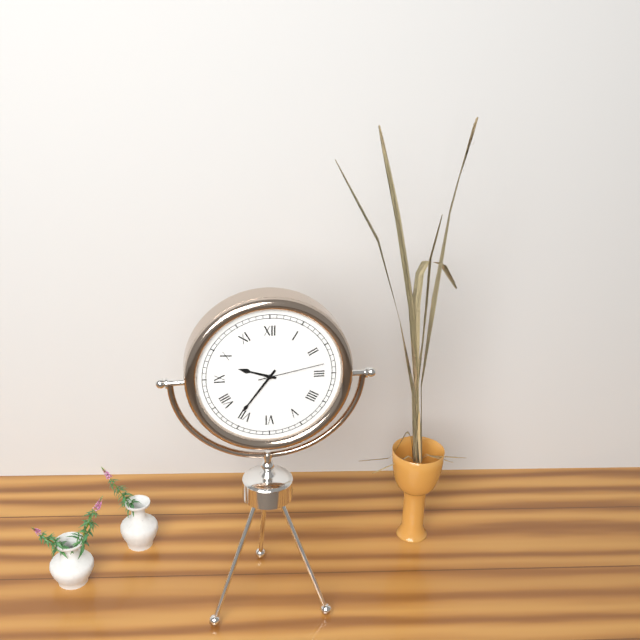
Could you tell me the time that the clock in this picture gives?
9:36:13
